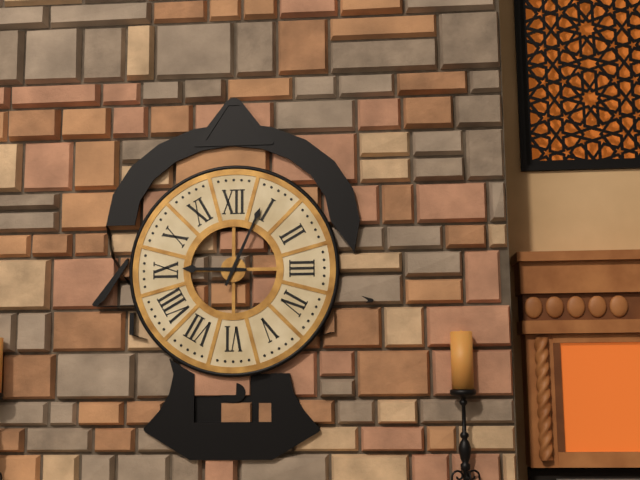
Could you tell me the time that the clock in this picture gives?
9:04
